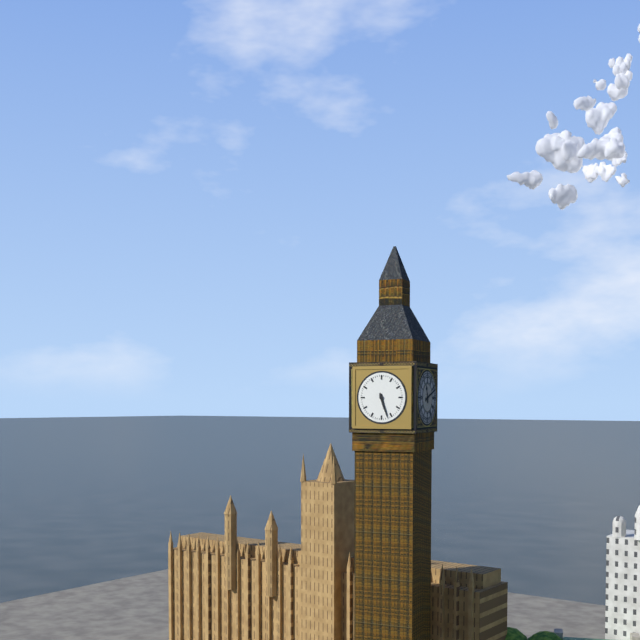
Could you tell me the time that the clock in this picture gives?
5:27
